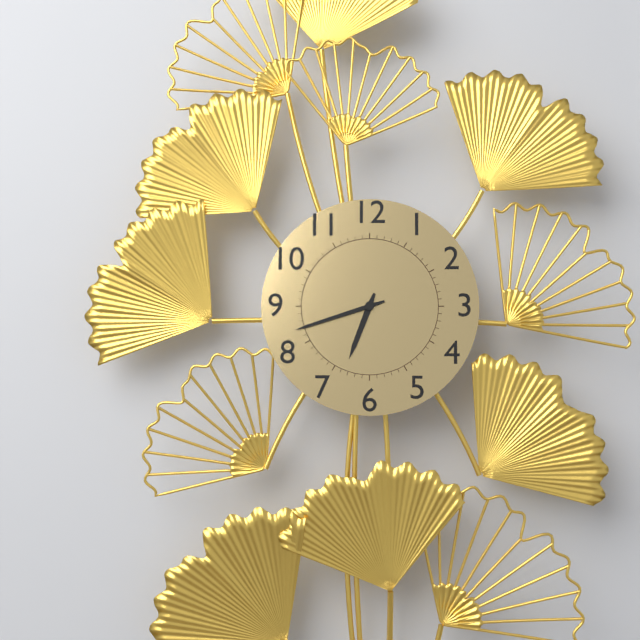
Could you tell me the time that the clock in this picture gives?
6:42
